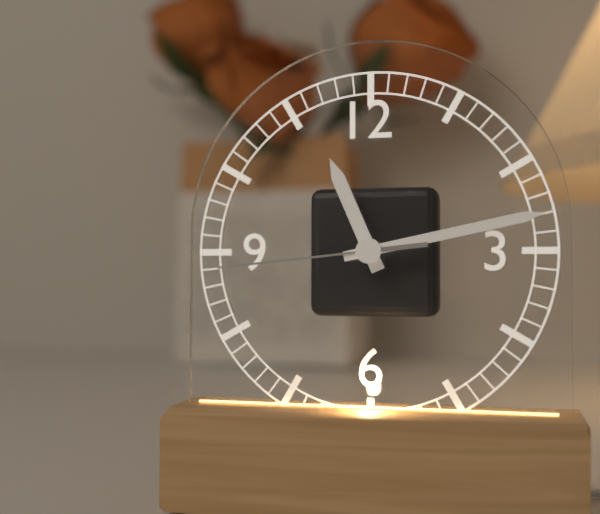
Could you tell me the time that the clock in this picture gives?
11:13:44
